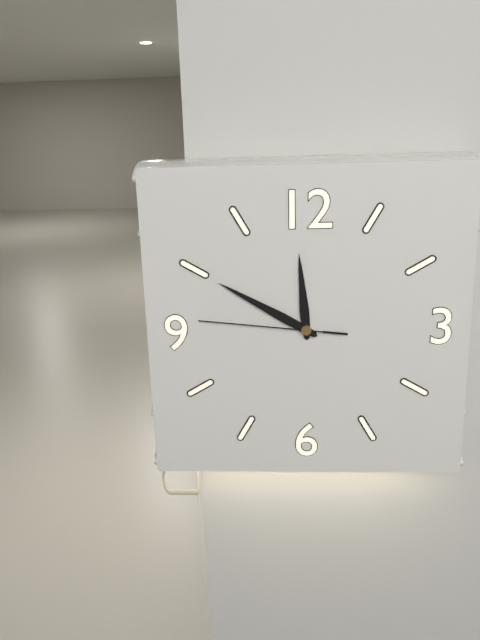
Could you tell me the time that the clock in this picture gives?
11:50:46
